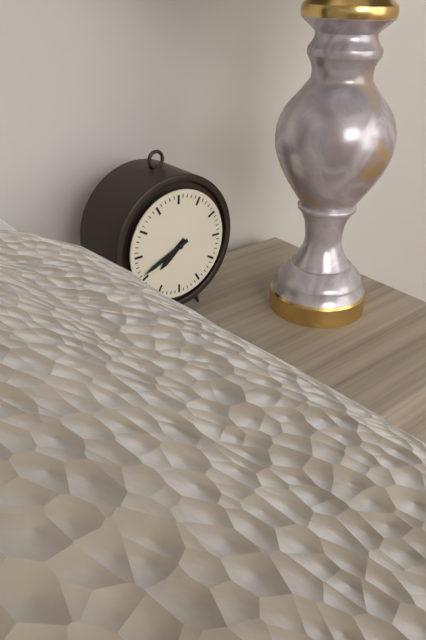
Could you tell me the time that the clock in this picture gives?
7:41
